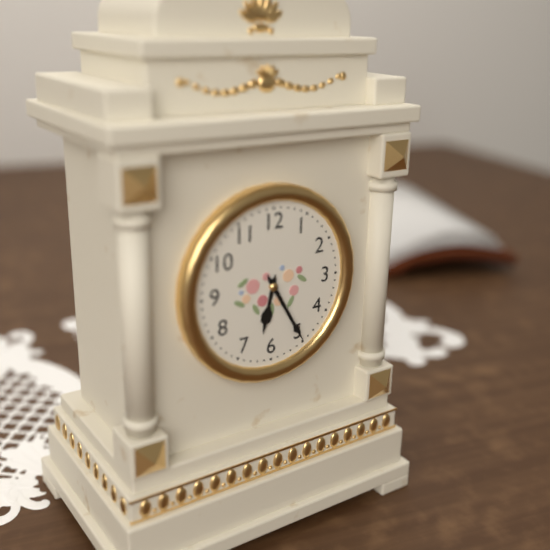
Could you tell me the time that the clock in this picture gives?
6:25
